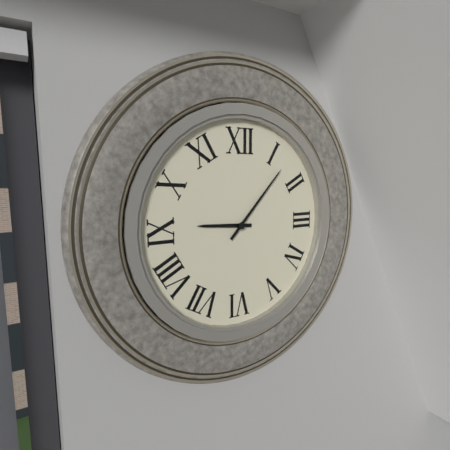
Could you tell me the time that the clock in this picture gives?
9:07
